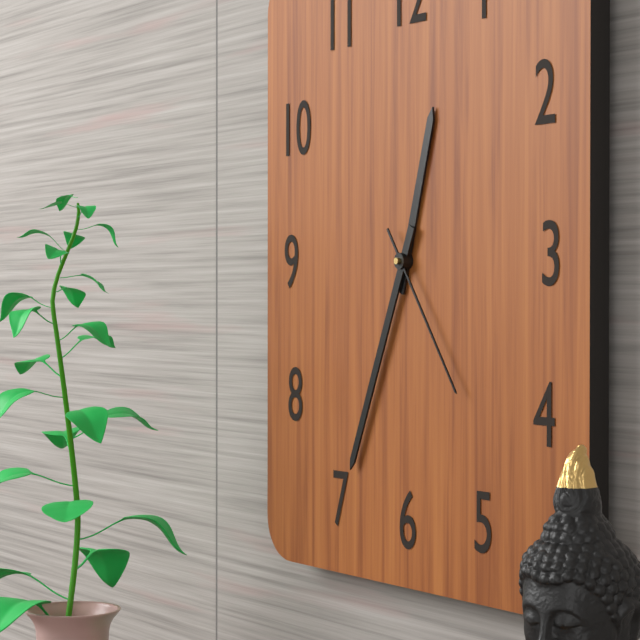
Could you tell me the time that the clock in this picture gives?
12:34:24
